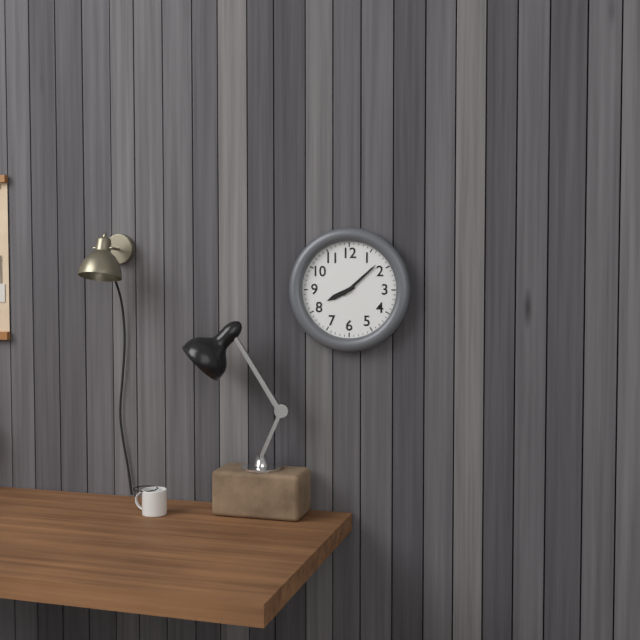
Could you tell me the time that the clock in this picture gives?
8:08
